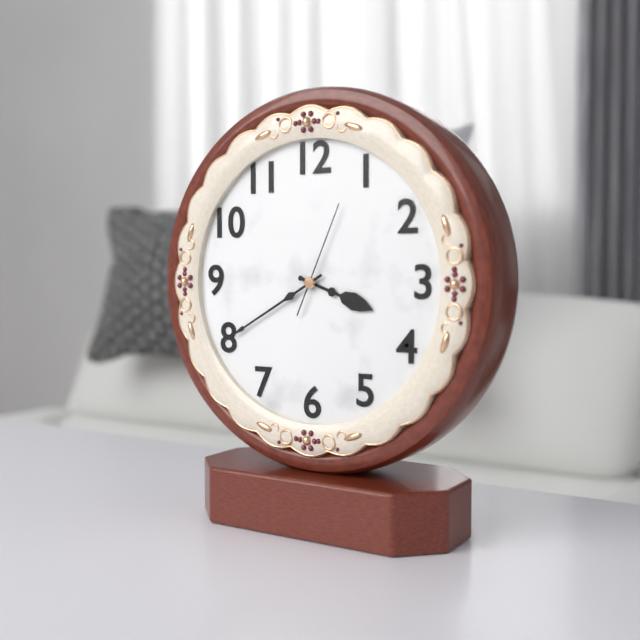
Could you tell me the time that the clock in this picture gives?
3:40:04
